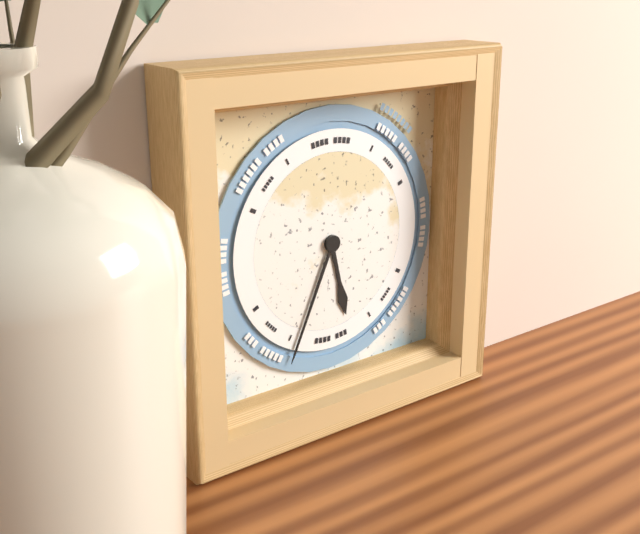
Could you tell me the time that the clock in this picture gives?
5:34
